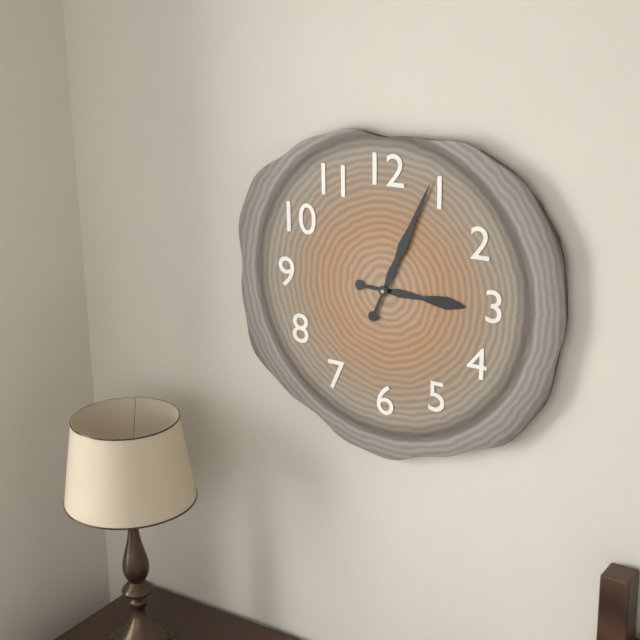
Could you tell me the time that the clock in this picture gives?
3:04
